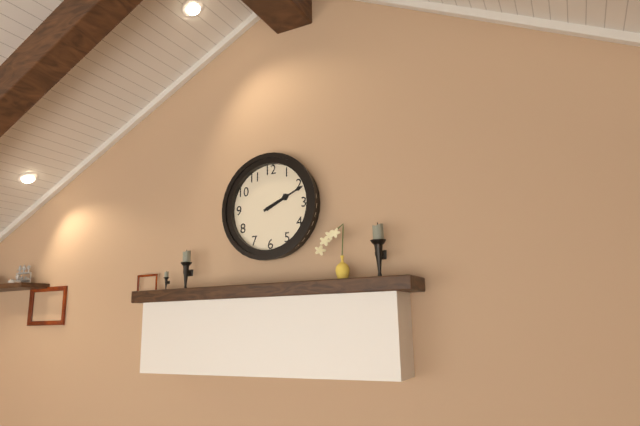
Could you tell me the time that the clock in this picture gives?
2:11
